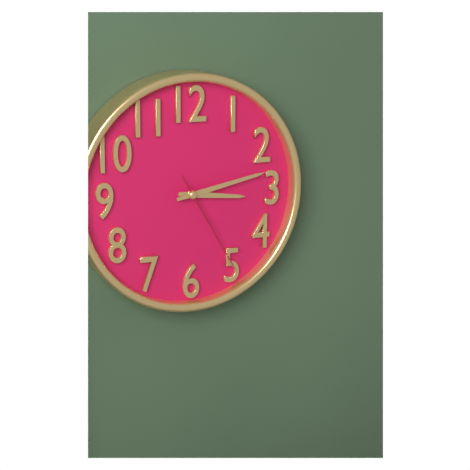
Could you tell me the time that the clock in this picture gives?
3:13:25
